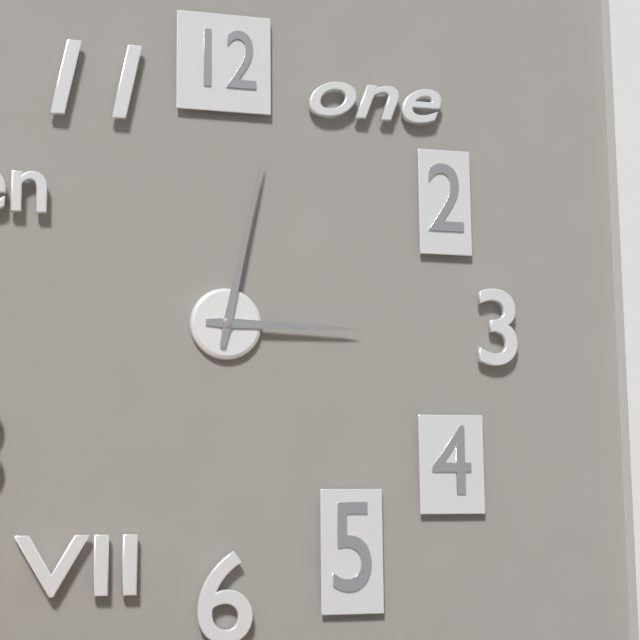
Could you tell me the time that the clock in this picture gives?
3:02
